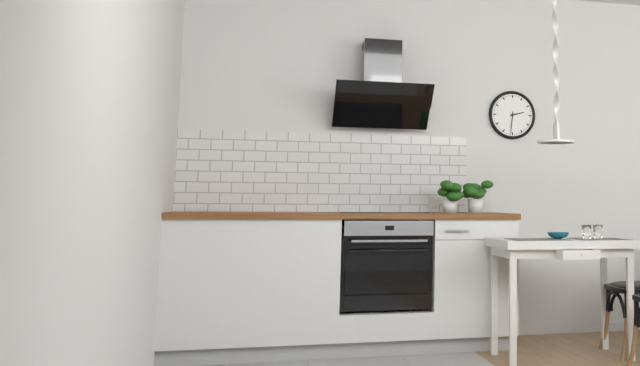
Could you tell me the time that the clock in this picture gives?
2:31
